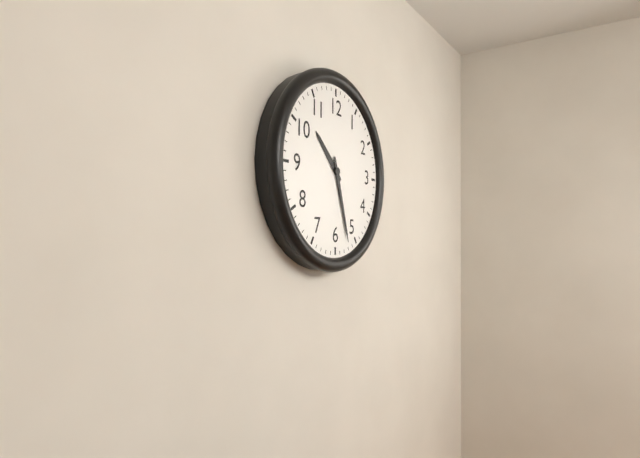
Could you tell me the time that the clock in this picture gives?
10:27
